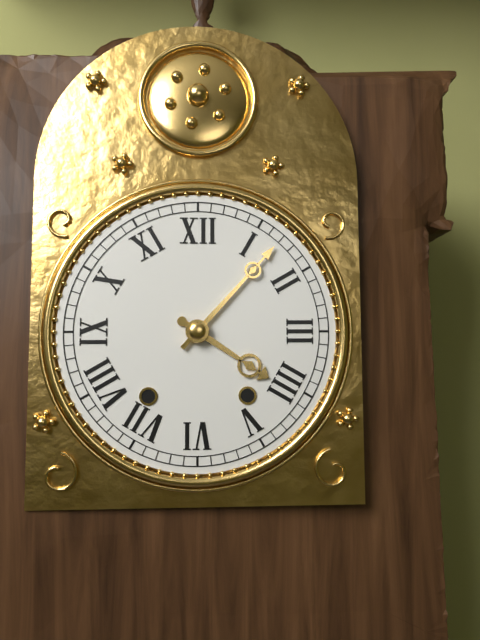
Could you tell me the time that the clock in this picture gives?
4:07
